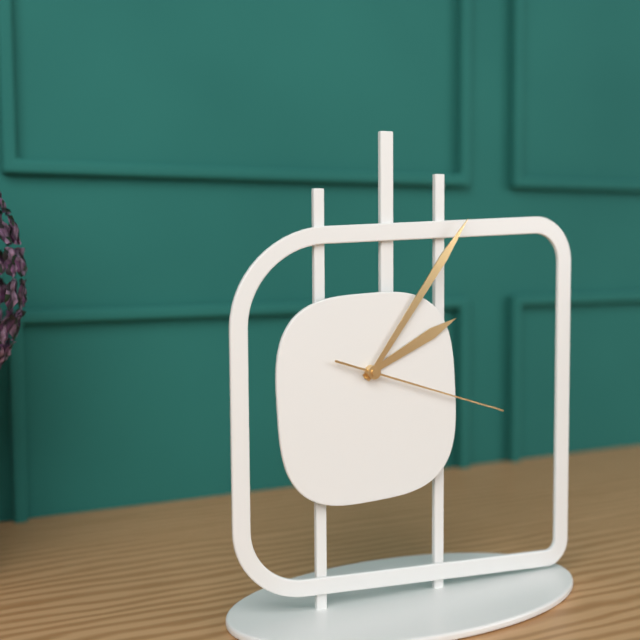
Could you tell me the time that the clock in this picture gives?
2:06:18
